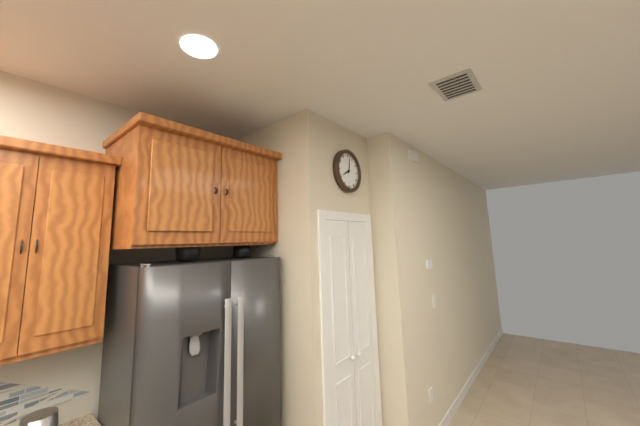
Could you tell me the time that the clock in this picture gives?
8:02
